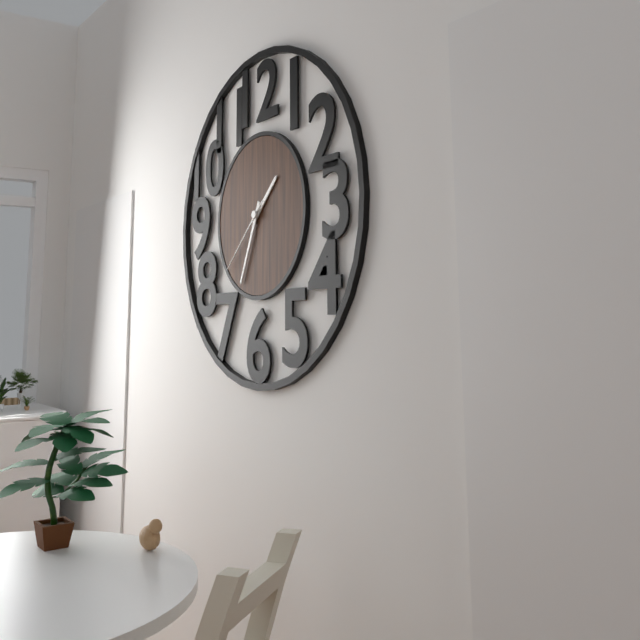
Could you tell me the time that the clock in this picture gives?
1:34:38
